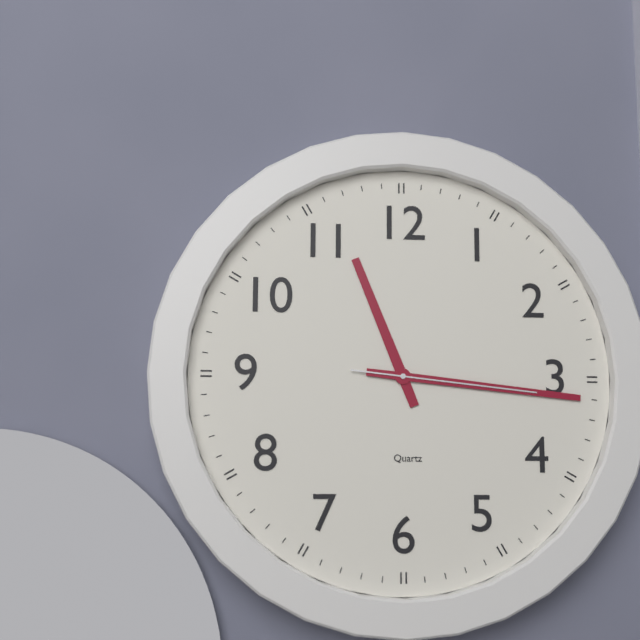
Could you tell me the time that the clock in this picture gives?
11:16:16
